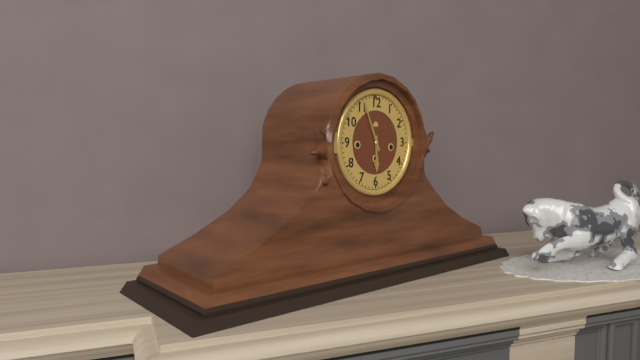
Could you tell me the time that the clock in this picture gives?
5:56
